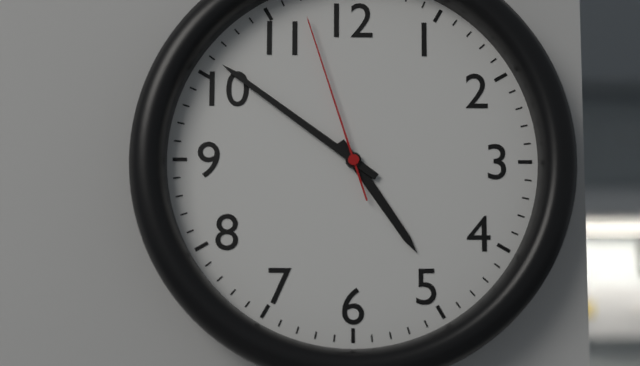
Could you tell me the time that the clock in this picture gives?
4:51:57
